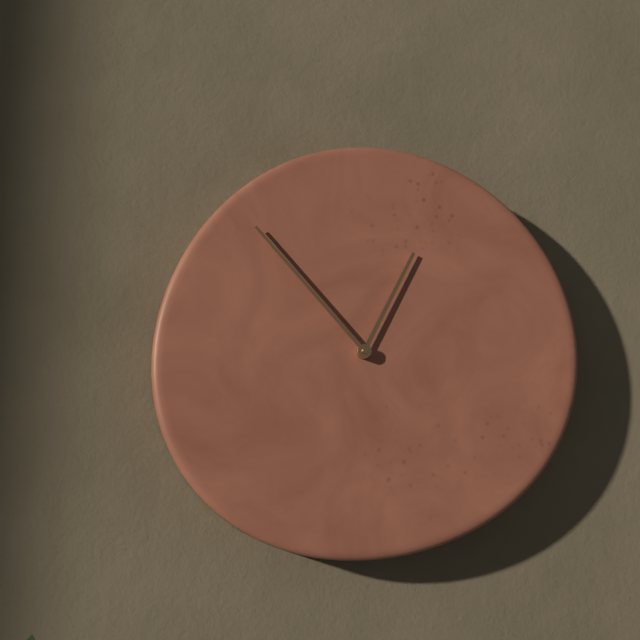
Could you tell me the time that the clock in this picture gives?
12:53
